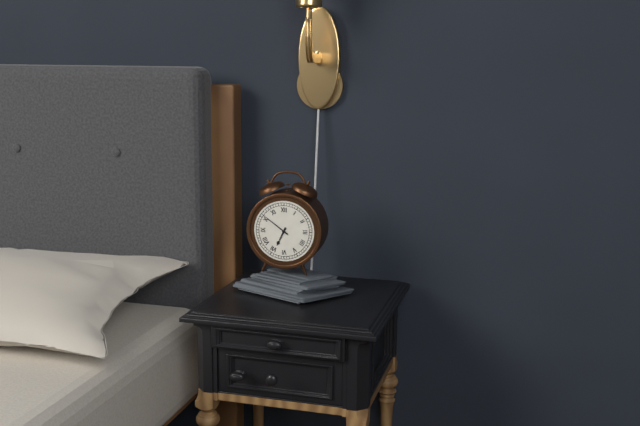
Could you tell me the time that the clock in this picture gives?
6:51
